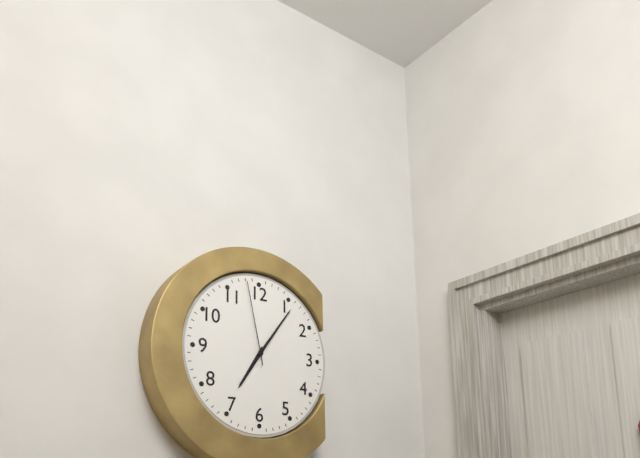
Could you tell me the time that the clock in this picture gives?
7:06:58
